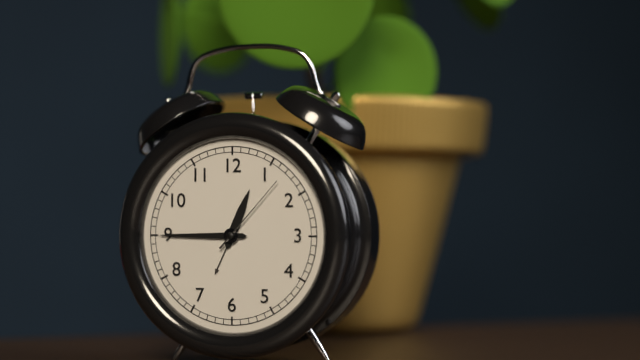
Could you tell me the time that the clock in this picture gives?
12:45:07
